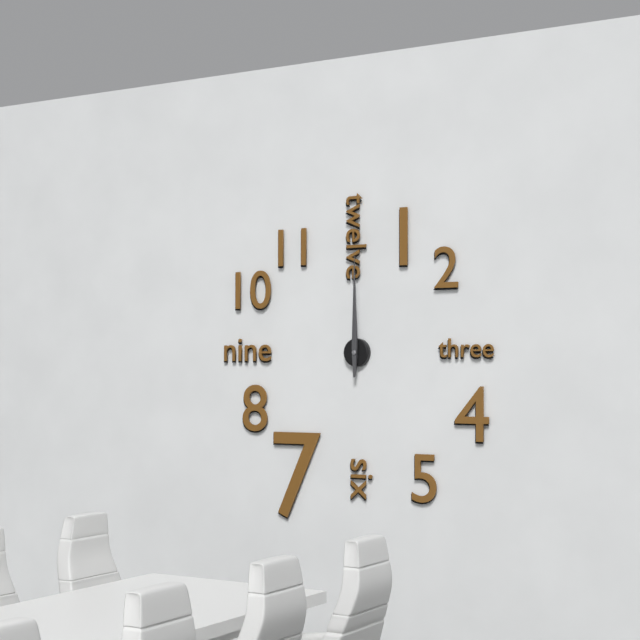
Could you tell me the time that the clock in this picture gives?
12:00
